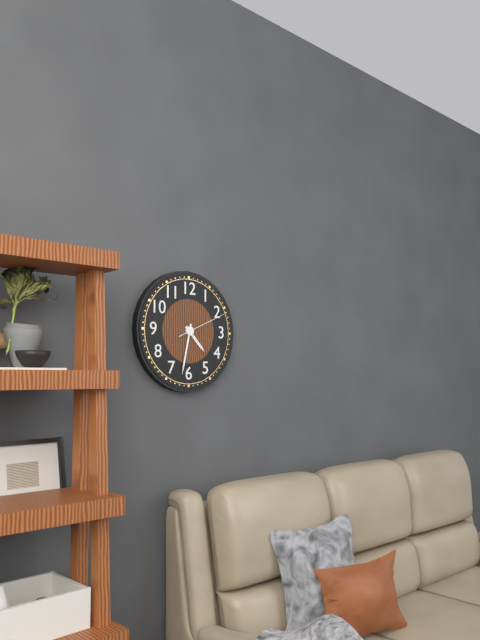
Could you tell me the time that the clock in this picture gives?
4:32:11
